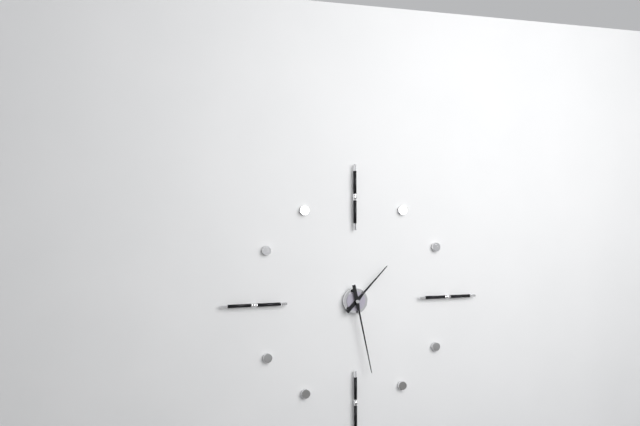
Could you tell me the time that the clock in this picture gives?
1:28
